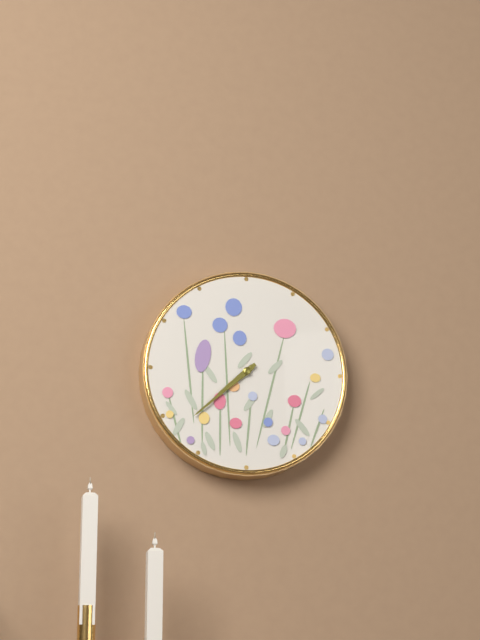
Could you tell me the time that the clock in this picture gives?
7:38
